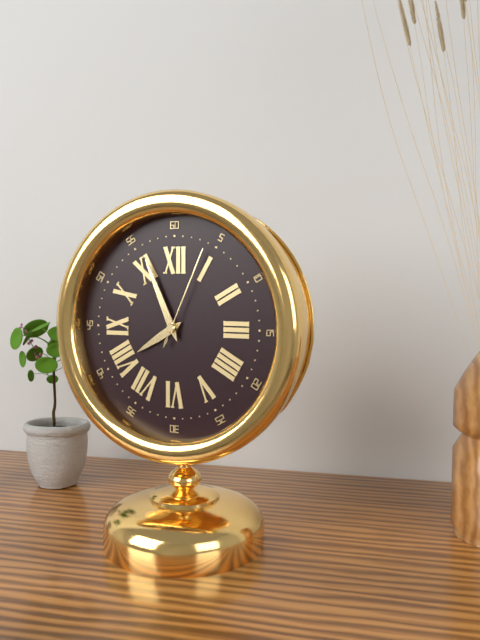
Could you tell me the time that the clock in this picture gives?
7:56:04
